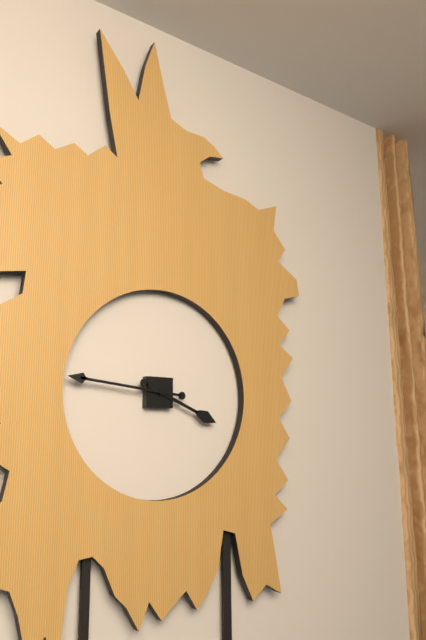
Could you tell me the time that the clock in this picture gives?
3:46
